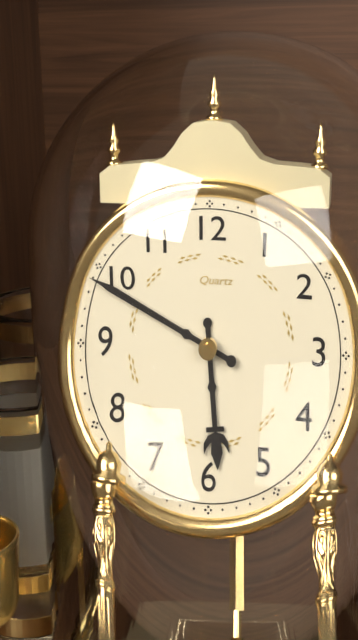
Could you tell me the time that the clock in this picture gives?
5:49
